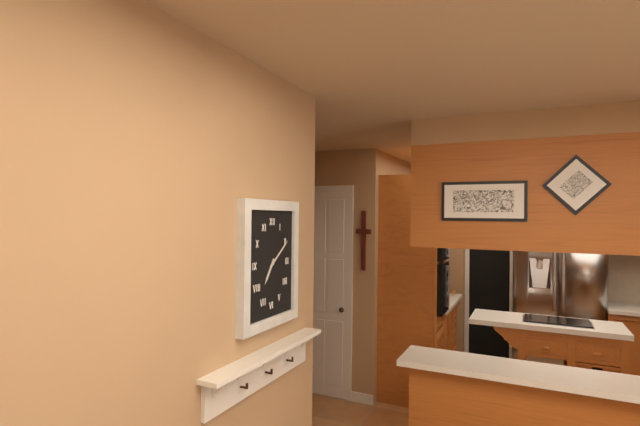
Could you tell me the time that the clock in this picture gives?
7:09
